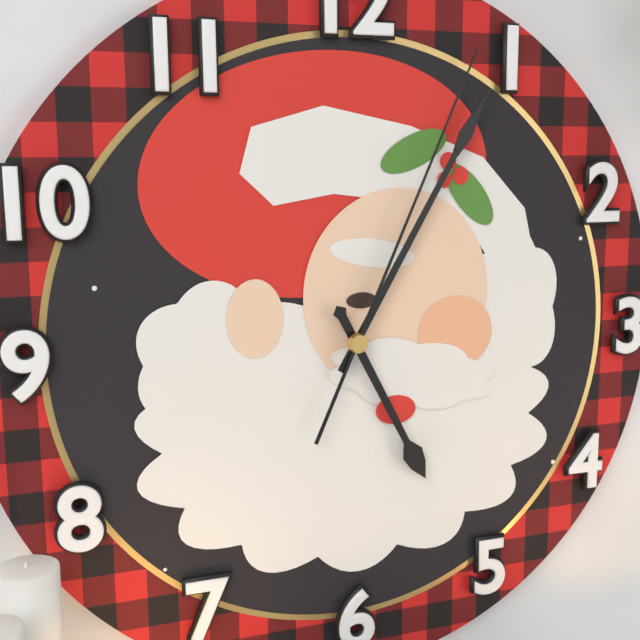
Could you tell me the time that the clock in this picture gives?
5:05:04
